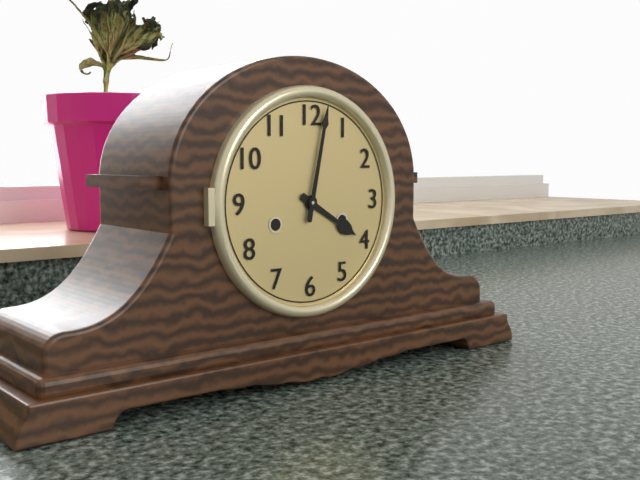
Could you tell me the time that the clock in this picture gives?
4:02
